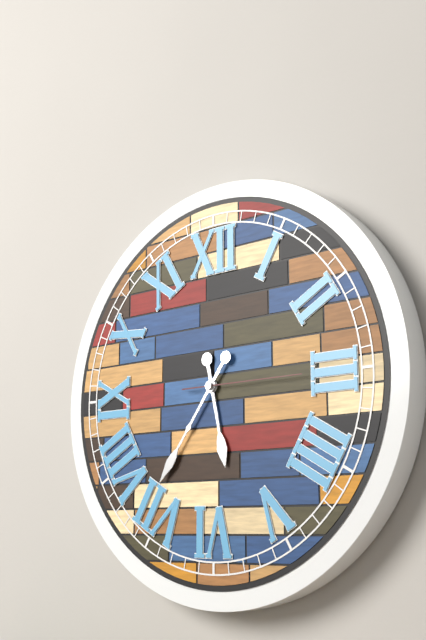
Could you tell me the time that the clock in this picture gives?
5:36:15
